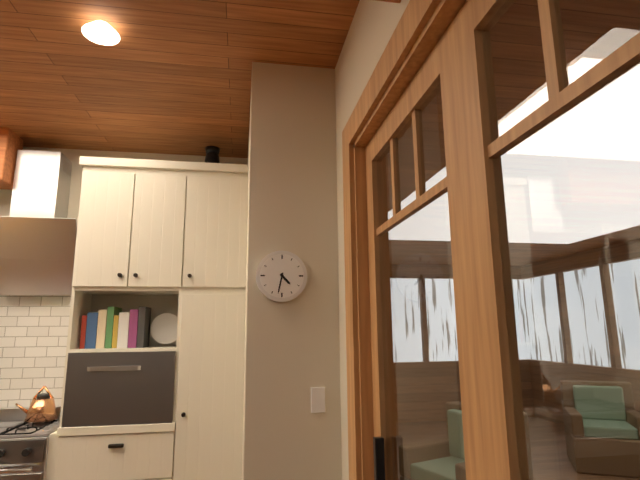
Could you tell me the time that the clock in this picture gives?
4:32
